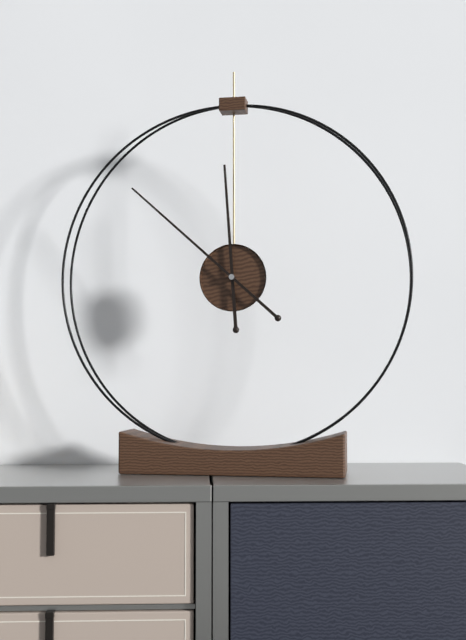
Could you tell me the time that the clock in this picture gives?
11:52
